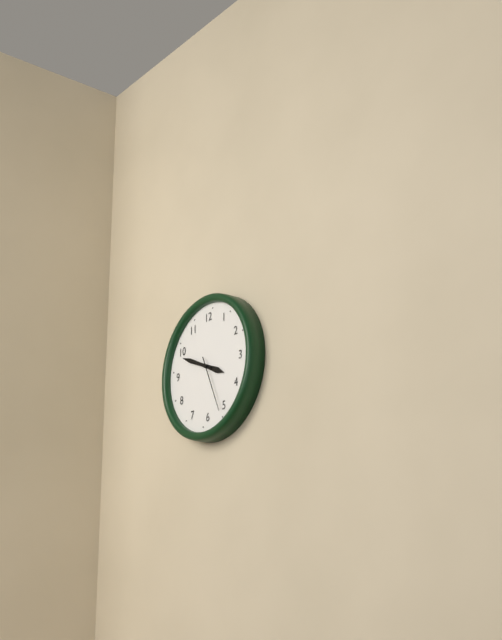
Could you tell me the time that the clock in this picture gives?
3:49:26
